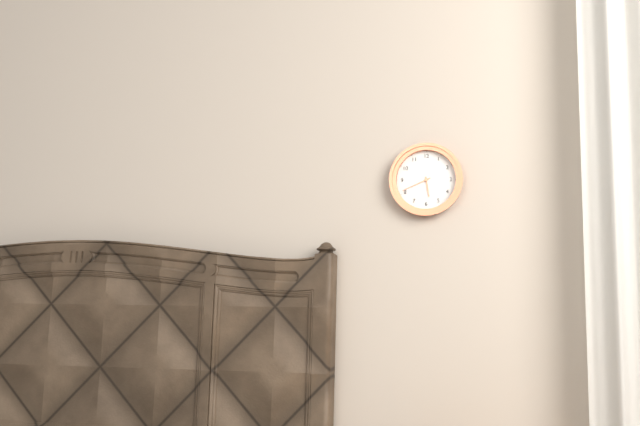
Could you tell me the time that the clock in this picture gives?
5:41
